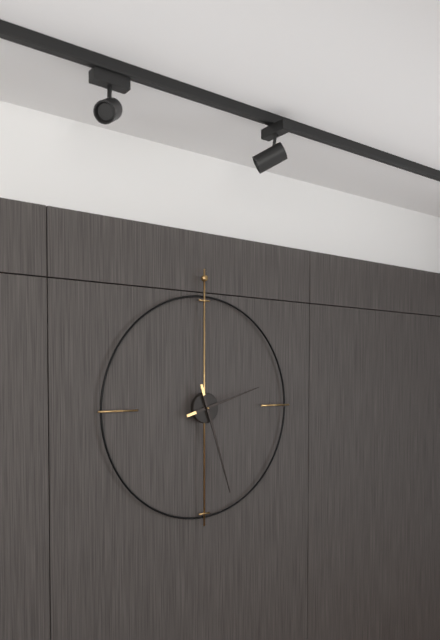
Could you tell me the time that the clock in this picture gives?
2:27
